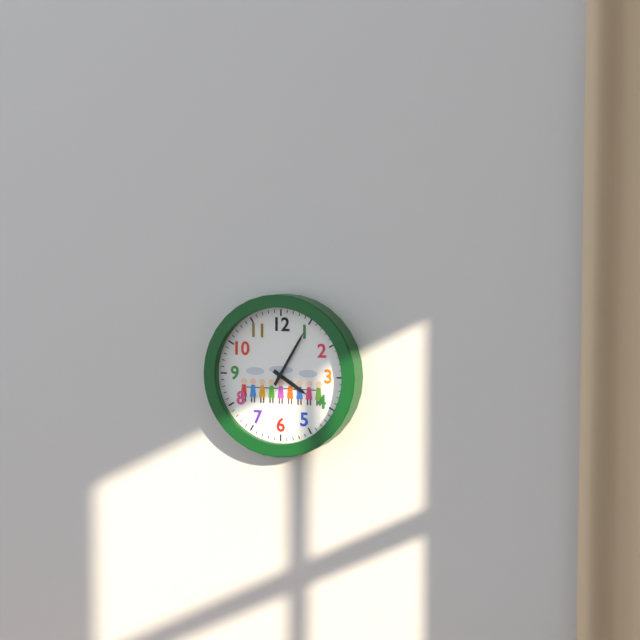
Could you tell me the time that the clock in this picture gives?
4:05
